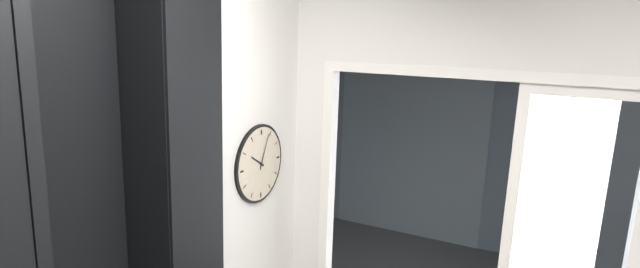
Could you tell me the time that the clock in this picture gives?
10:04
